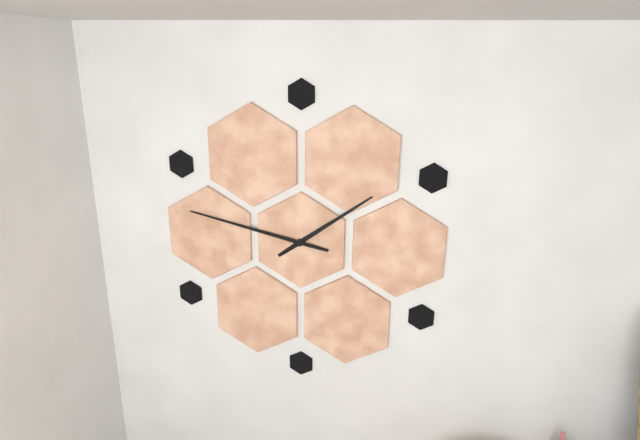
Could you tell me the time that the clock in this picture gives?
1:47
